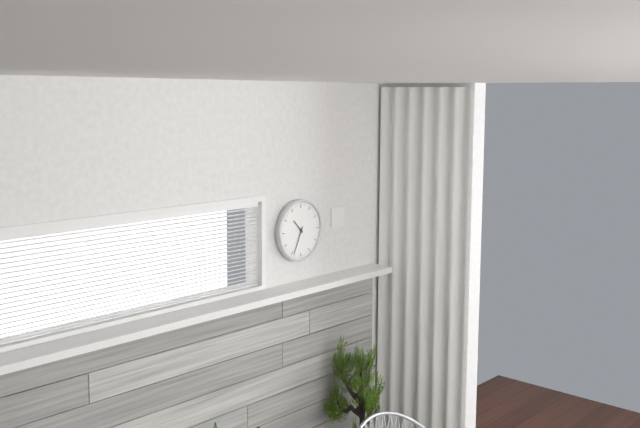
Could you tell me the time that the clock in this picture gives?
10:34
